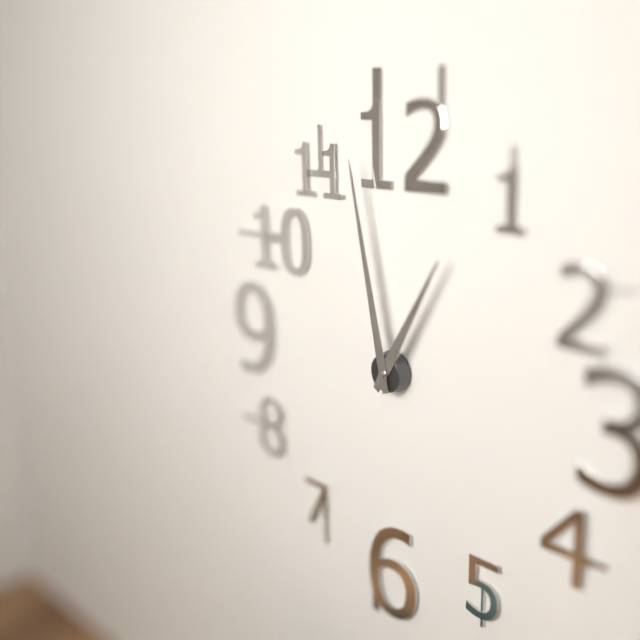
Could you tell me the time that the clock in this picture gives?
12:58
